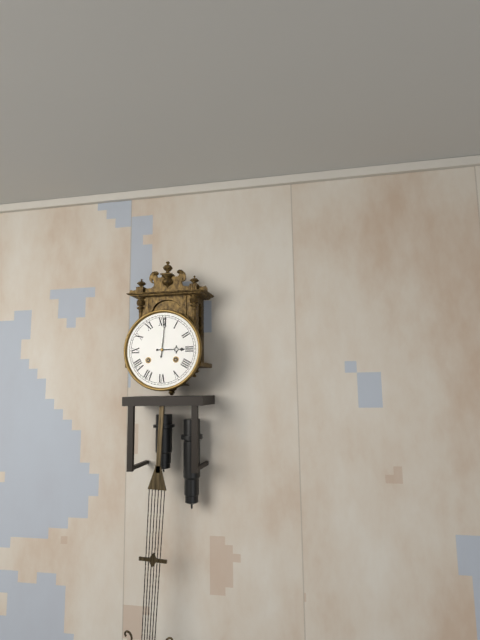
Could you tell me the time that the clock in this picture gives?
3:01
